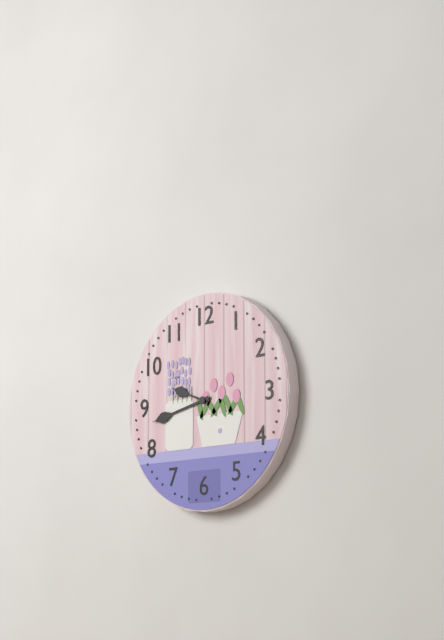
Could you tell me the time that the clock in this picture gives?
9:43
